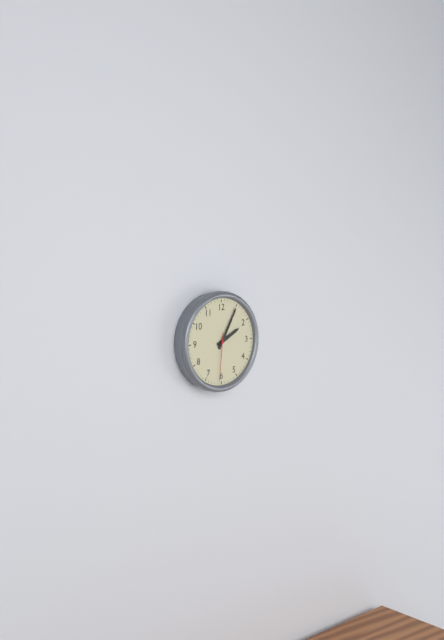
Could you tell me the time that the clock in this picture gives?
2:05
